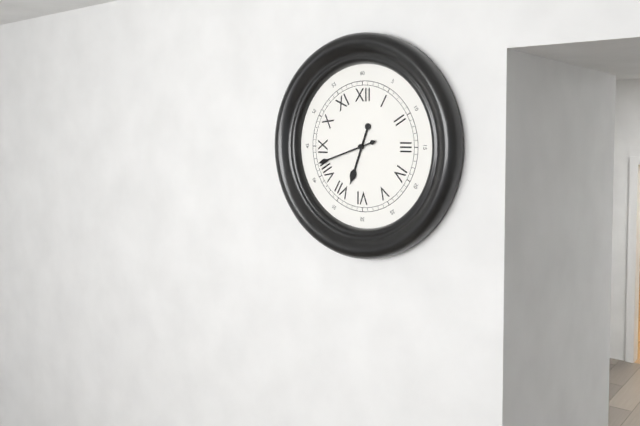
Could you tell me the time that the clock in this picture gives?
6:42
